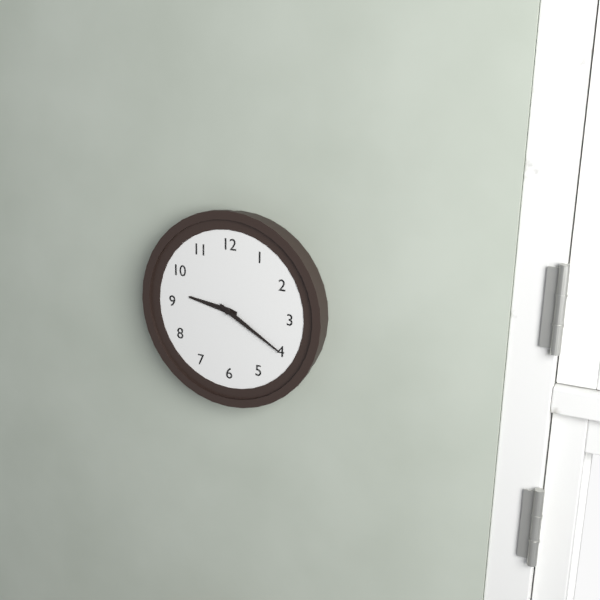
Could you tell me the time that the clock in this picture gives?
9:20
